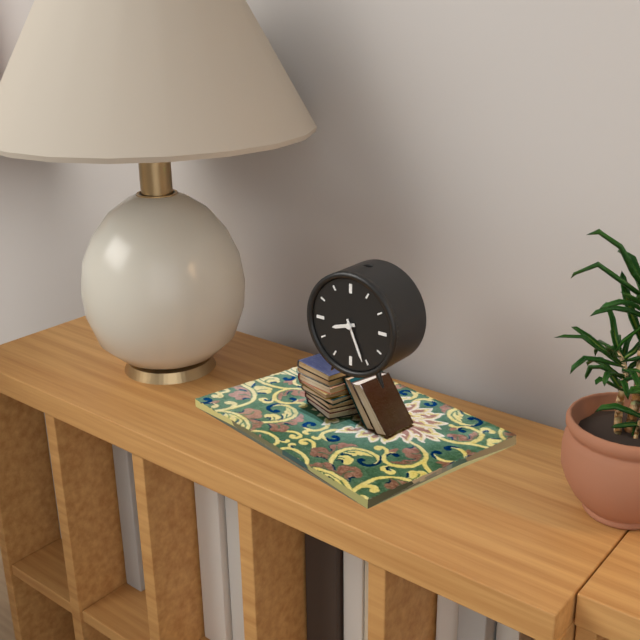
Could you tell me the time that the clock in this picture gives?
8:26
